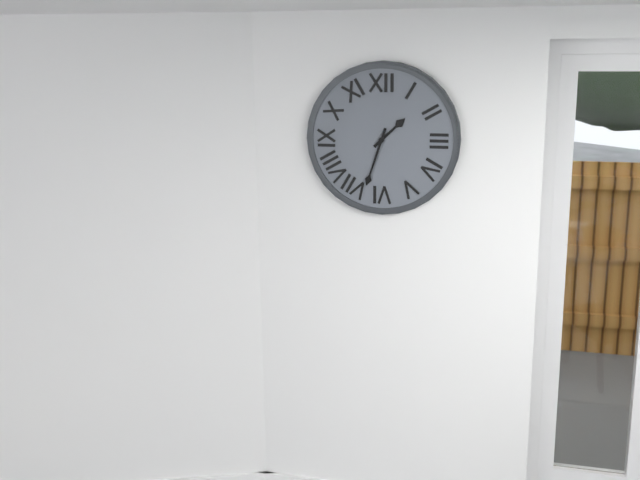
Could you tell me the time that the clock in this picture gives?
1:33
